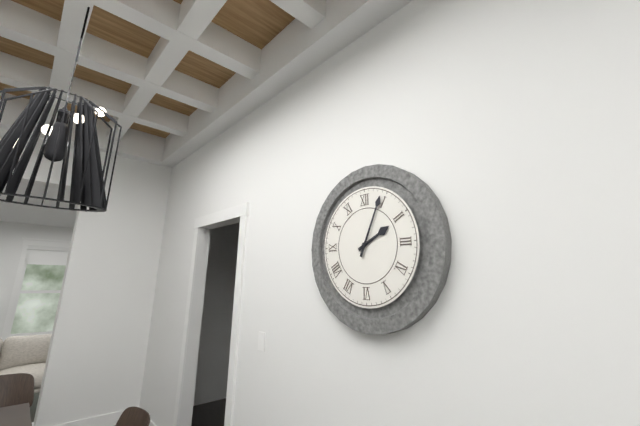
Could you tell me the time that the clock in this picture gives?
2:04
